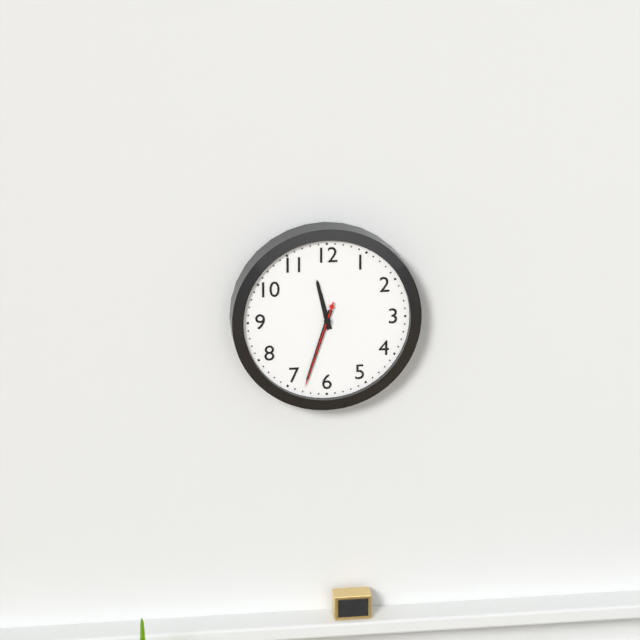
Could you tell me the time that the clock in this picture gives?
11:33:33
